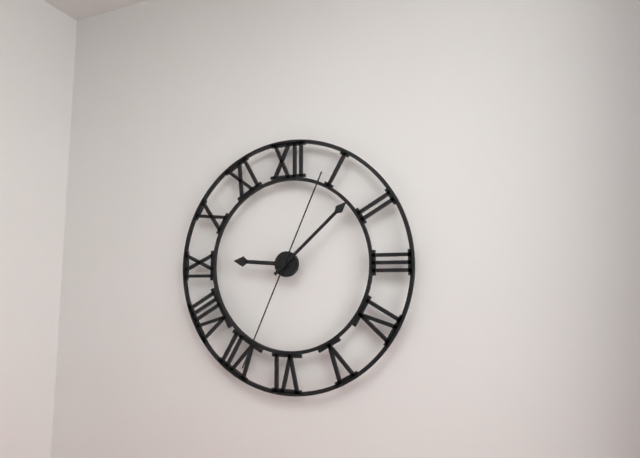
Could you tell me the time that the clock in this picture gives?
9:08:34
